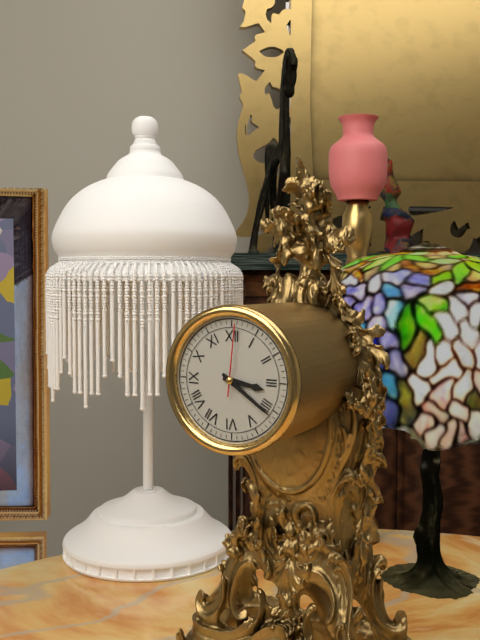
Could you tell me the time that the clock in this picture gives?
3:21:01
